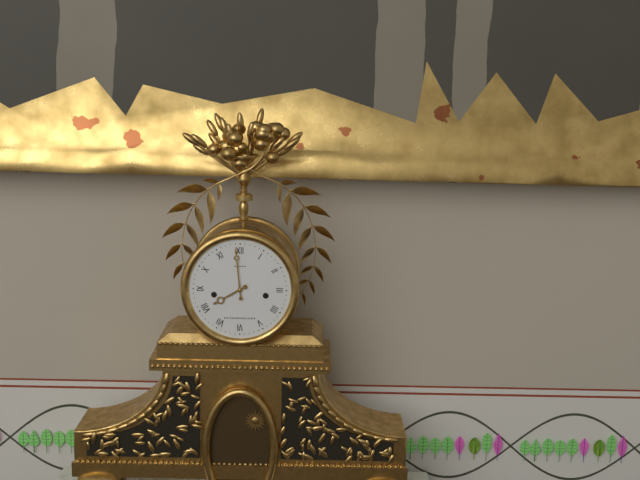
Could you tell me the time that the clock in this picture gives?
7:59
